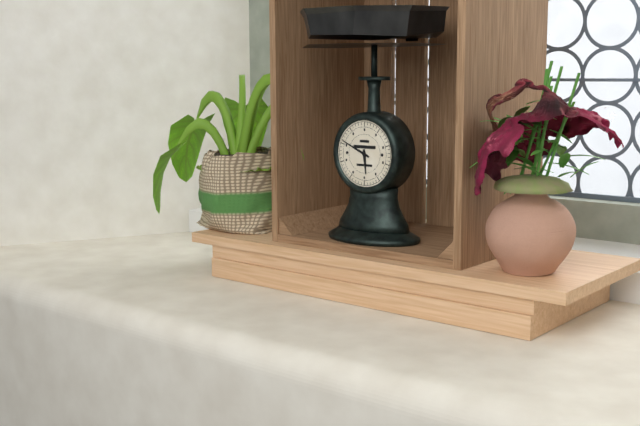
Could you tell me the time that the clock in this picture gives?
5:49
